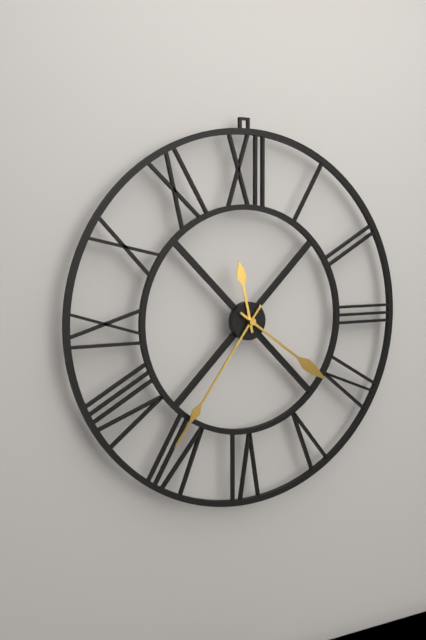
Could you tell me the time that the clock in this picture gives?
11:36:21
